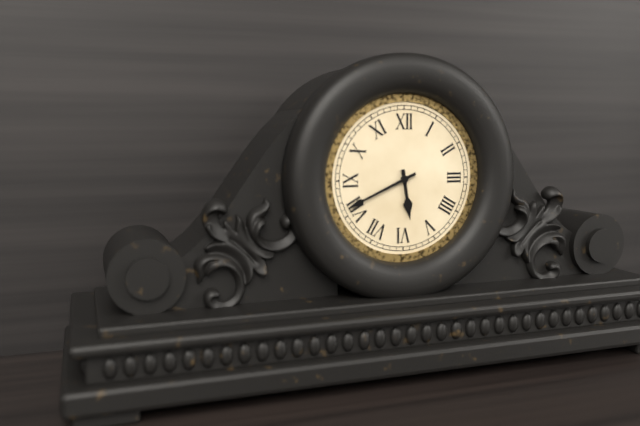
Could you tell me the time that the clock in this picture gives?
5:41
